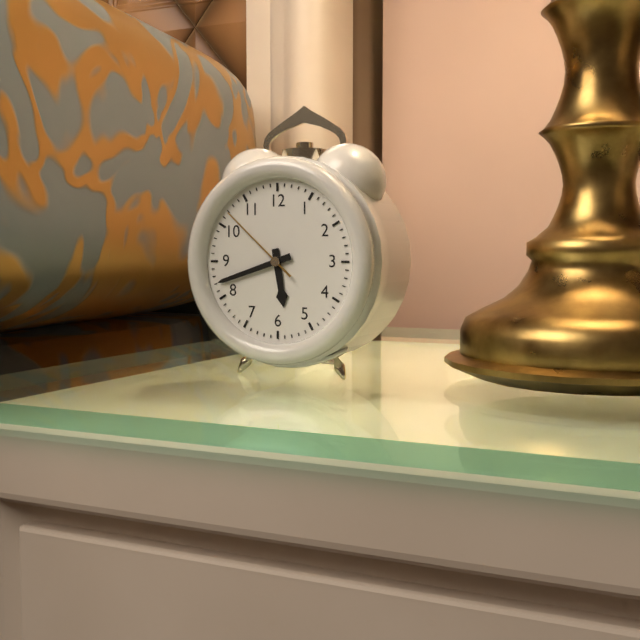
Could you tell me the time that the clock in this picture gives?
5:42:52
